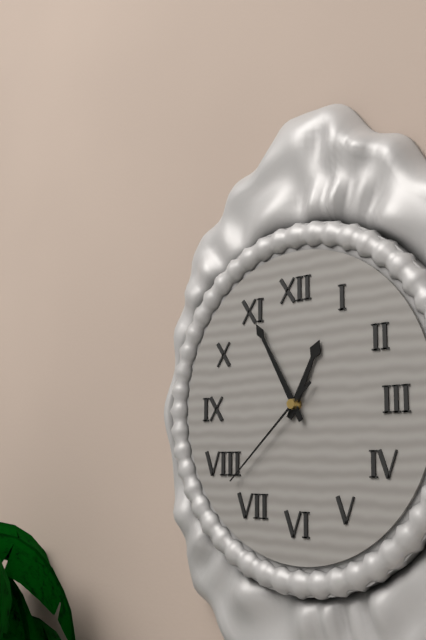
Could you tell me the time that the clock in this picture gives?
12:55:38
